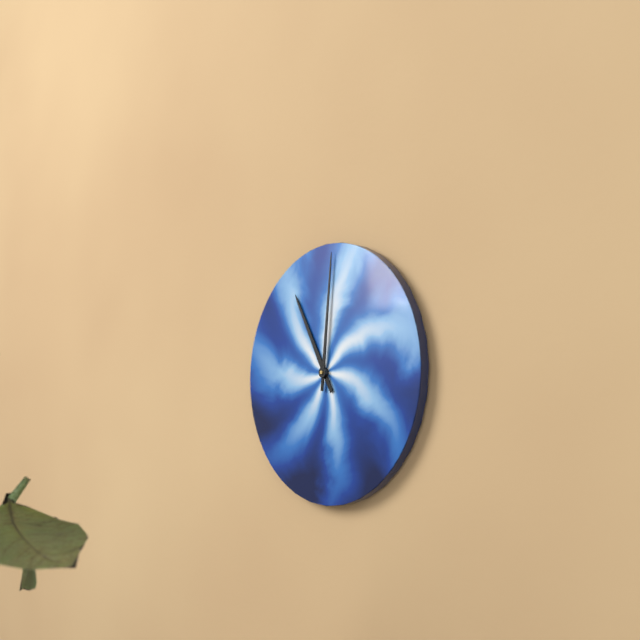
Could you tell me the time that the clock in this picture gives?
11:01
